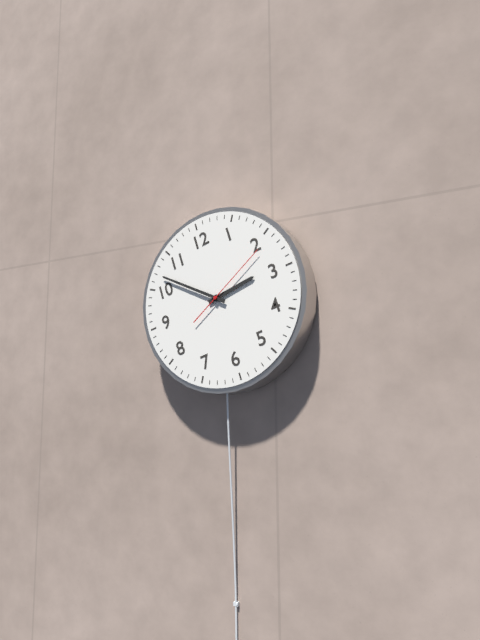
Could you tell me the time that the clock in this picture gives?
2:52:11
